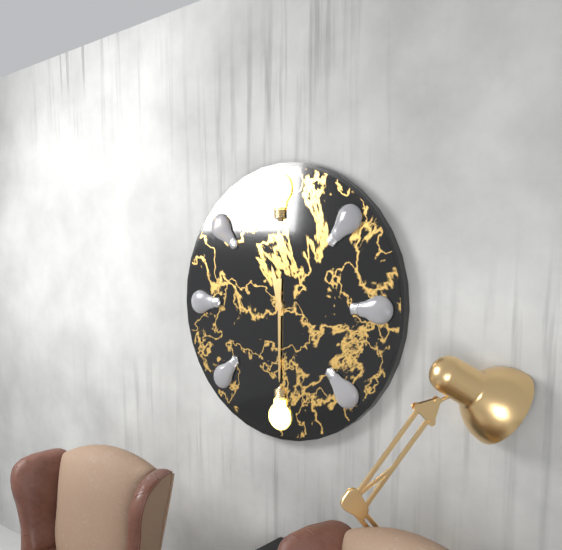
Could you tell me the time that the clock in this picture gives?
11:30
